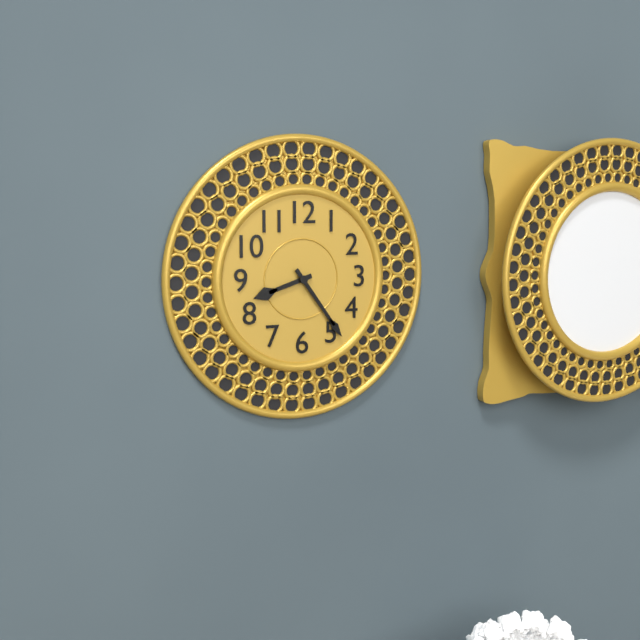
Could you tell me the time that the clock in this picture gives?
8:24
